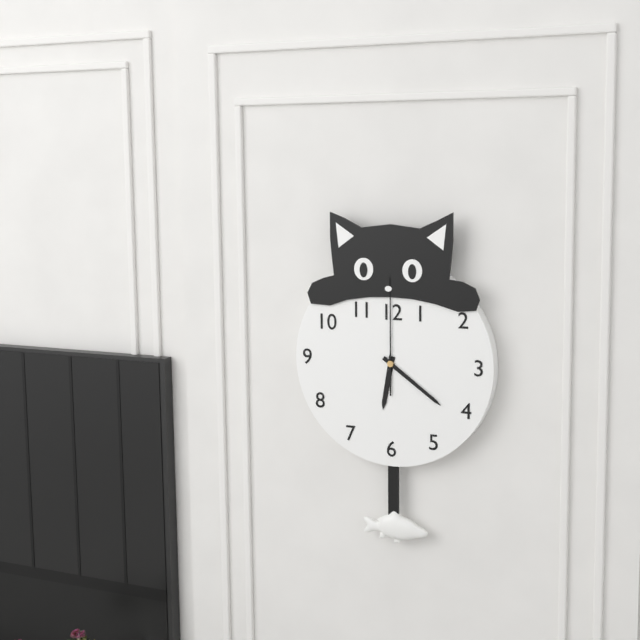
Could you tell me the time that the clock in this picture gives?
6:21:00
